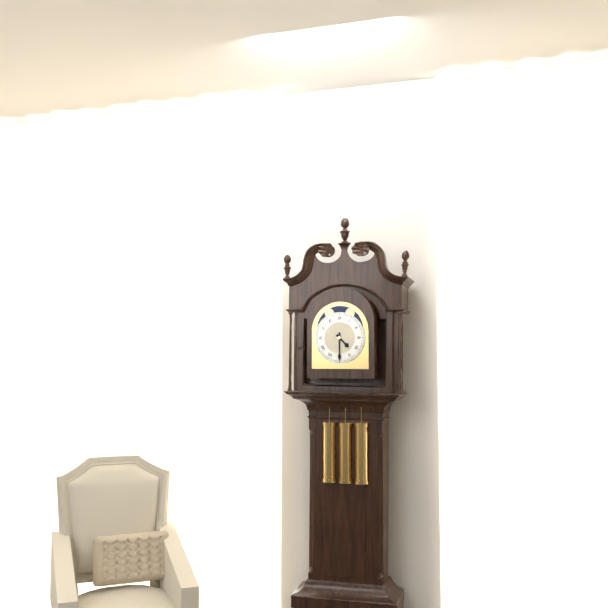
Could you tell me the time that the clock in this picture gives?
4:30
